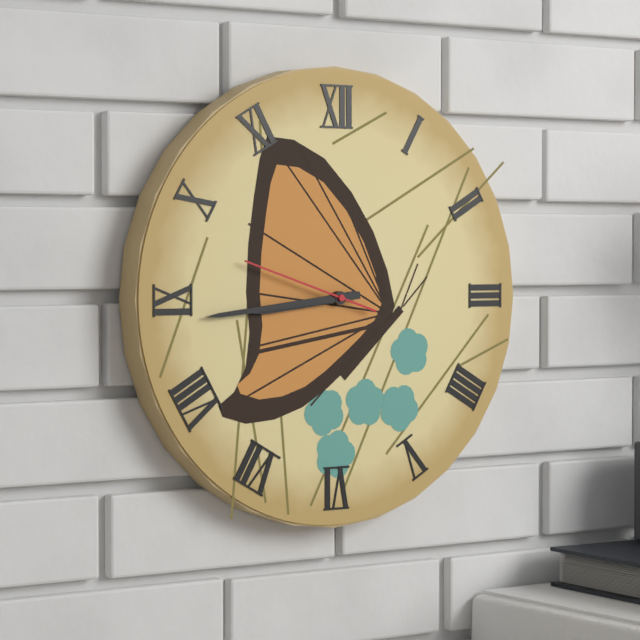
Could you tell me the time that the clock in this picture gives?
8:44:48
